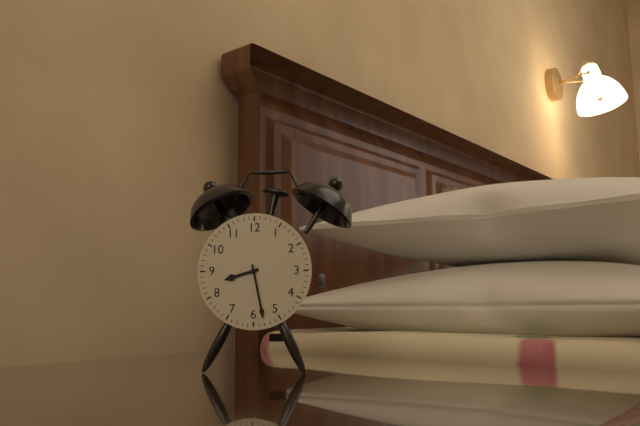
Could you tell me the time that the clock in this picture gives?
8:28
